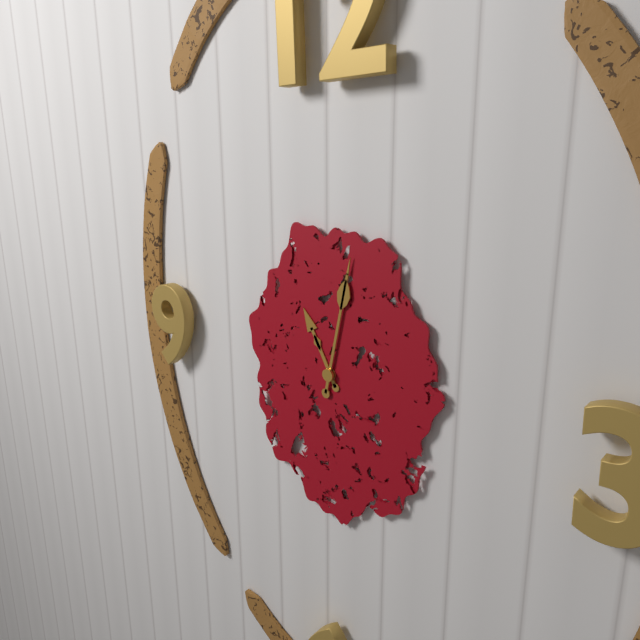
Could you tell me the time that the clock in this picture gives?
11:02
